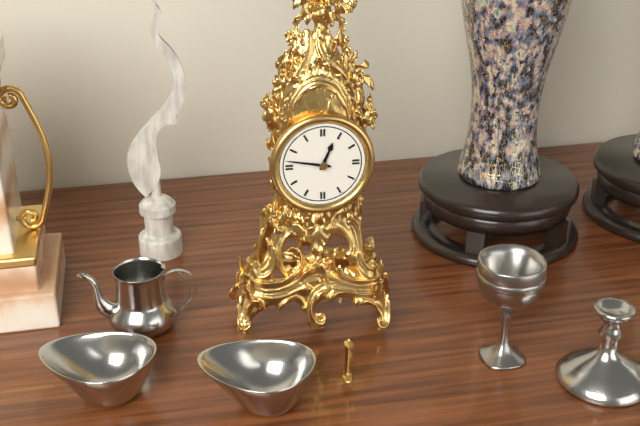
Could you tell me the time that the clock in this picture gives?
12:47
